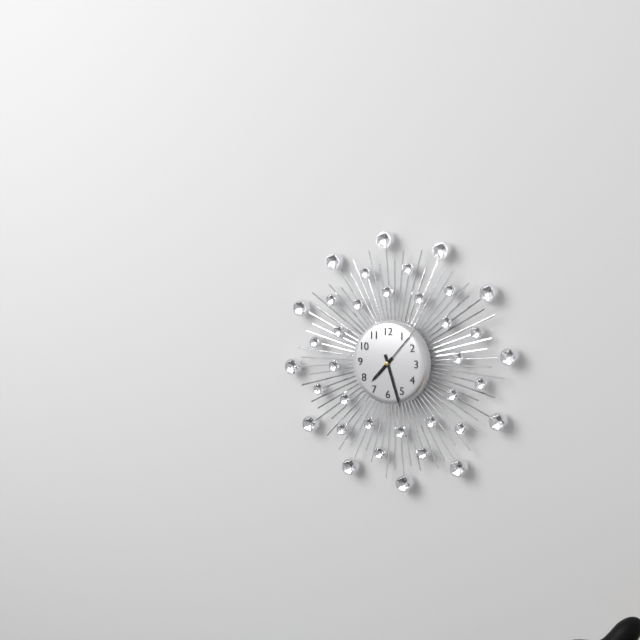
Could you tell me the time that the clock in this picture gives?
7:27:07
